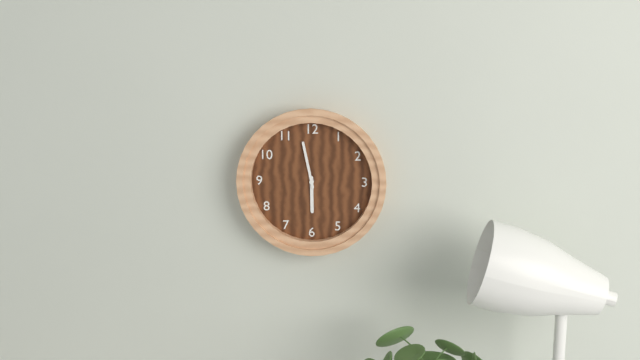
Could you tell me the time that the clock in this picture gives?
5:58
